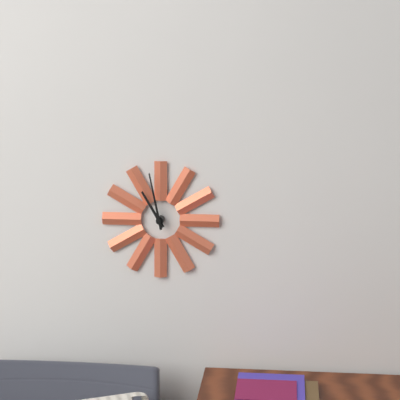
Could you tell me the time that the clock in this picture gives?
10:58
